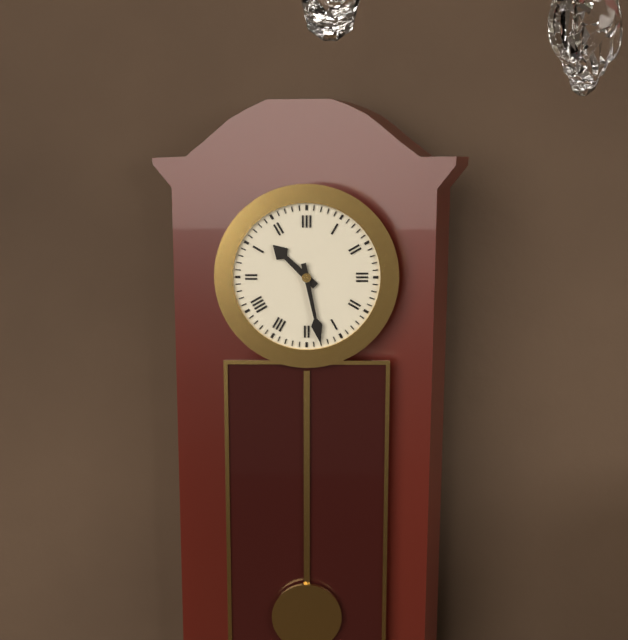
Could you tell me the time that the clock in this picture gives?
10:28
